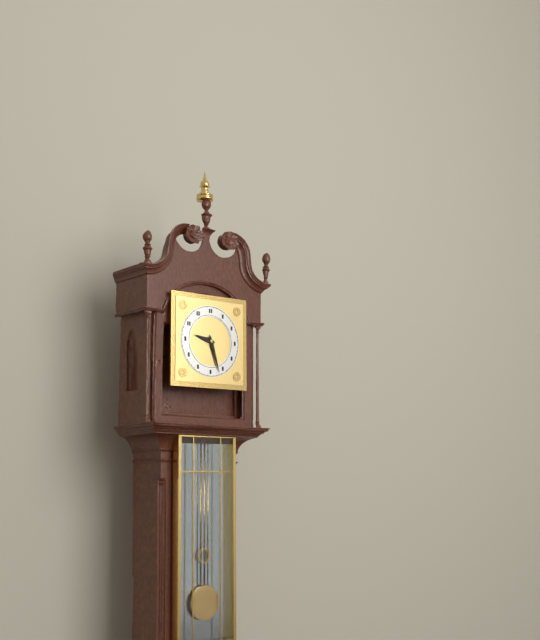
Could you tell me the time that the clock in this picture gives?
9:27
